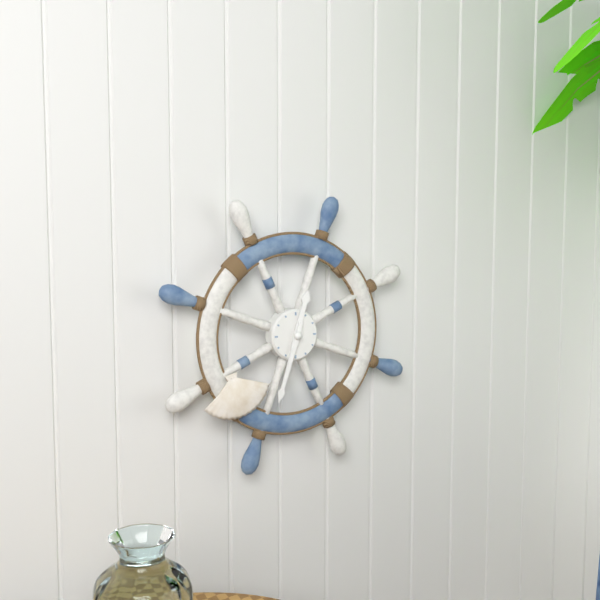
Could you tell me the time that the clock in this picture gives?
12:33
